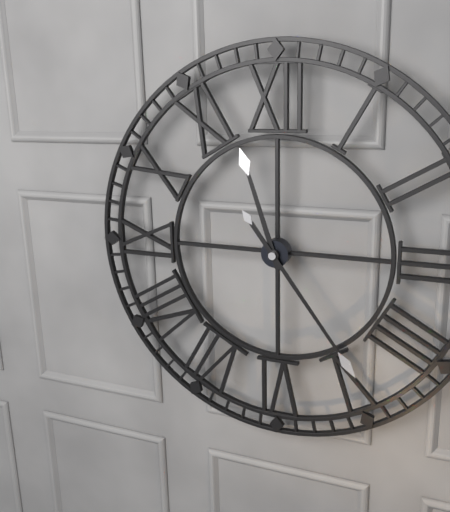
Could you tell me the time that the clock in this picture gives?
11:24
